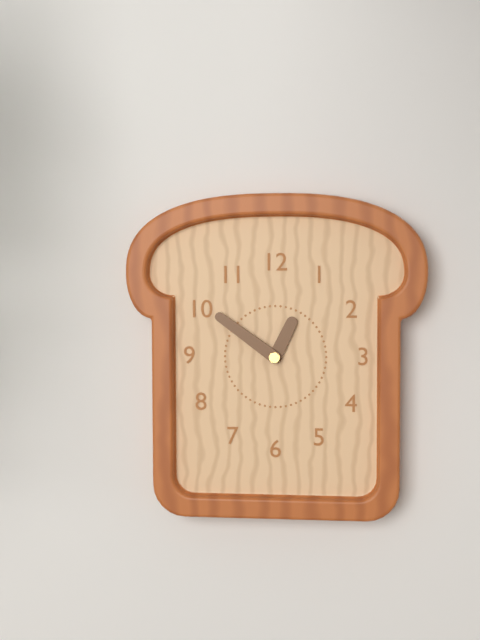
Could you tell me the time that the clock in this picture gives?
12:51
